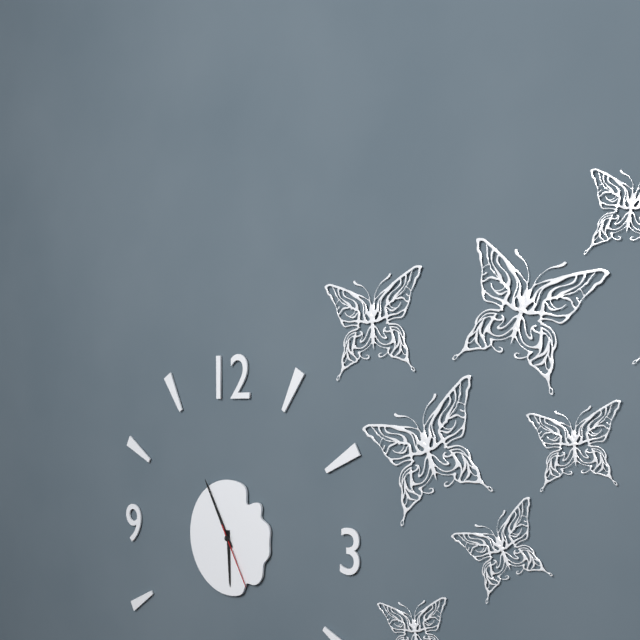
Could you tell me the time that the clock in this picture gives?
5:55:25
